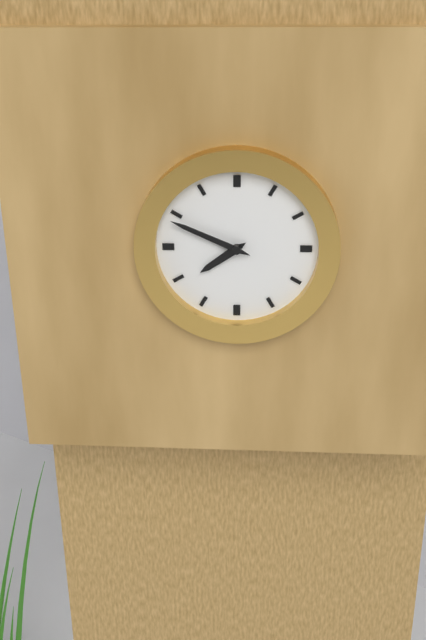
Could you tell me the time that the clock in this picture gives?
7:49
